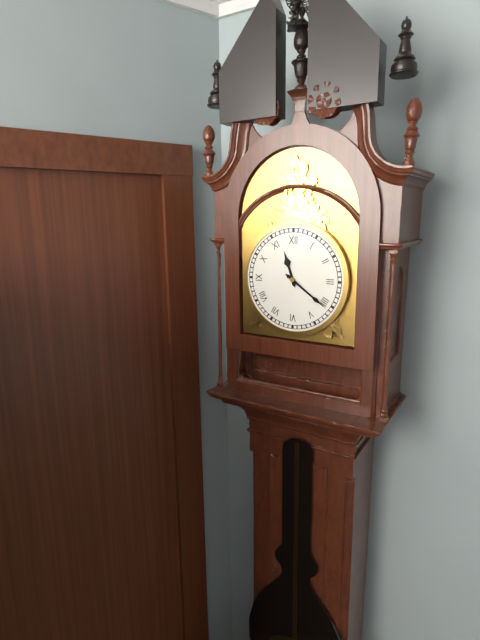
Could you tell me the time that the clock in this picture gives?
11:21
